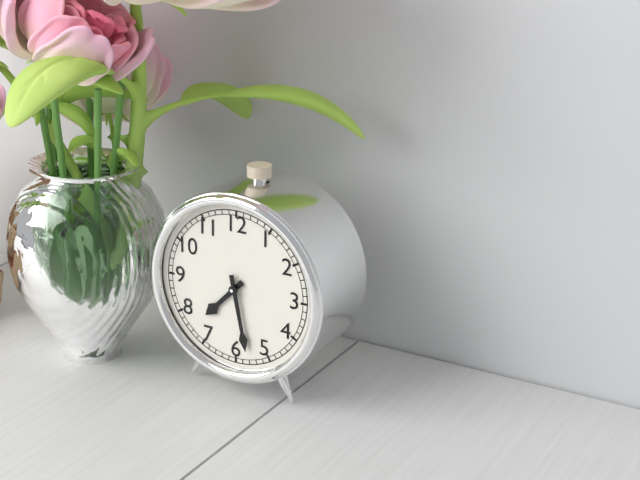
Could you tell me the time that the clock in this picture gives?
7:28
